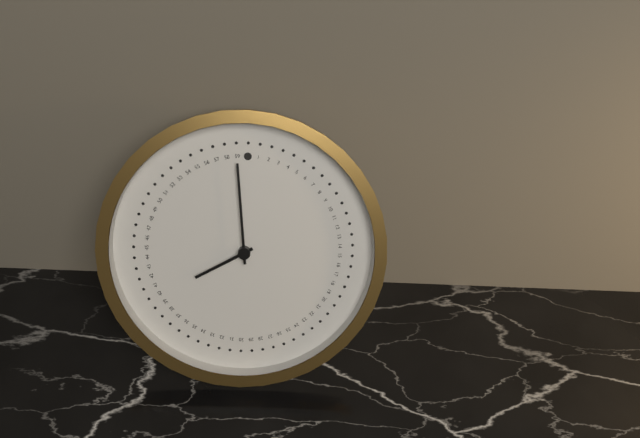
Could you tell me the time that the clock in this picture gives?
7:59
